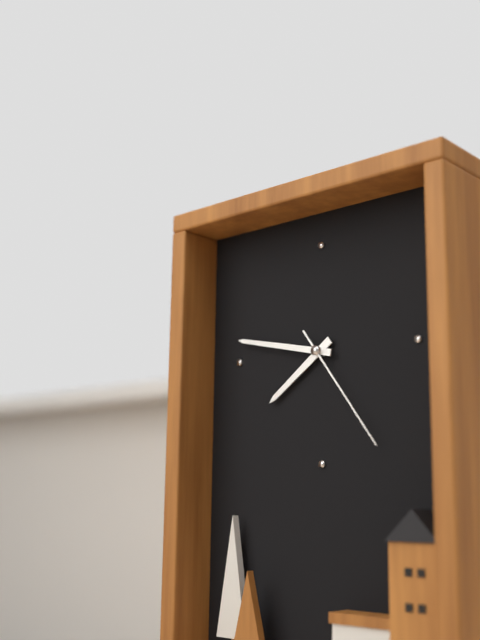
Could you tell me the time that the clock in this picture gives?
7:47:24
